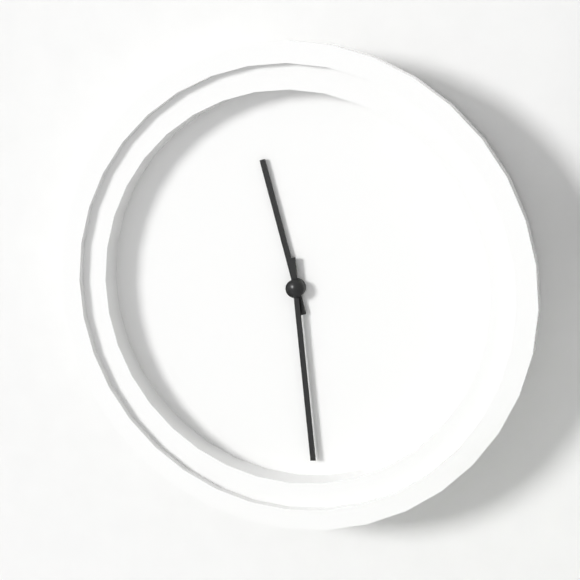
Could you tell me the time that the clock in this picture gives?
11:29
